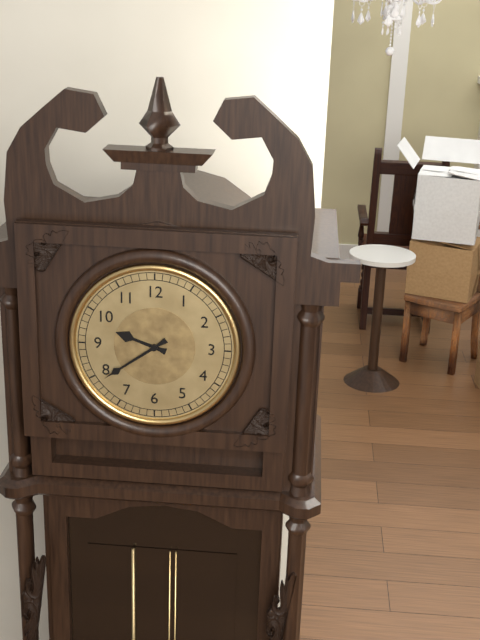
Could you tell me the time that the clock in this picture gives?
9:39
